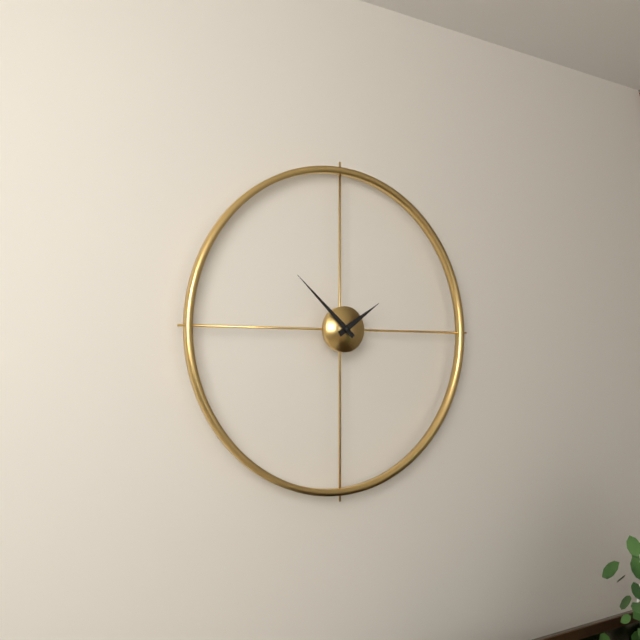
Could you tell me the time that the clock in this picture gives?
1:52
